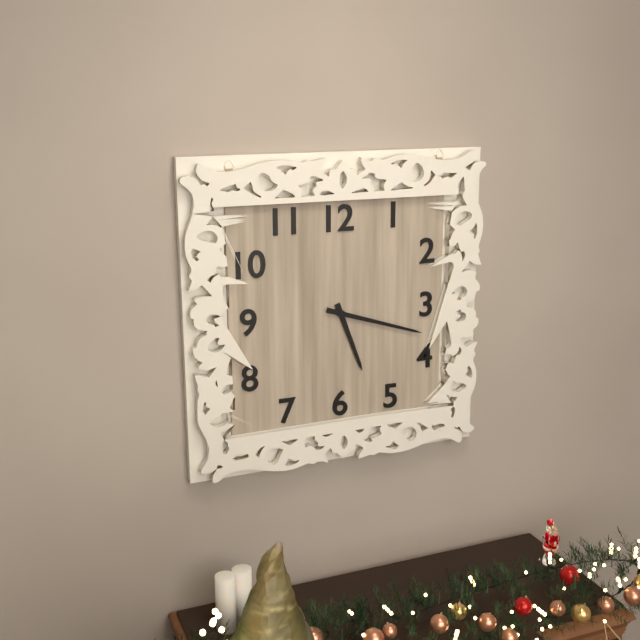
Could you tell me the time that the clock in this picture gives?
5:18
